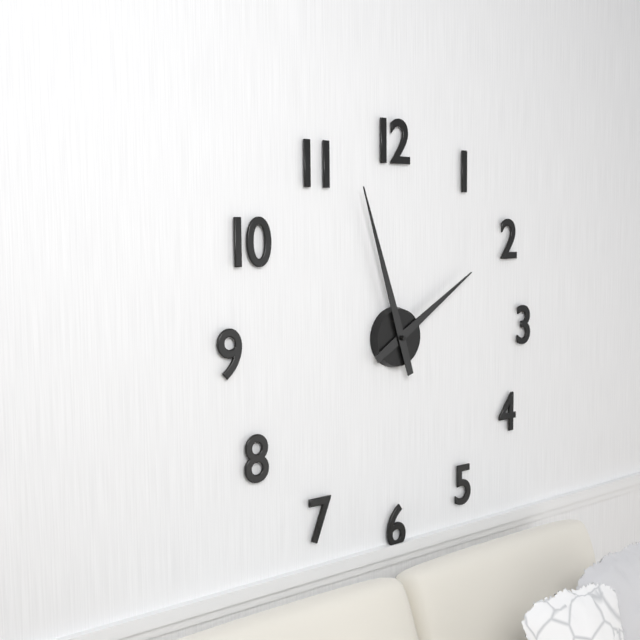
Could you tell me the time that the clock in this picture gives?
1:57
